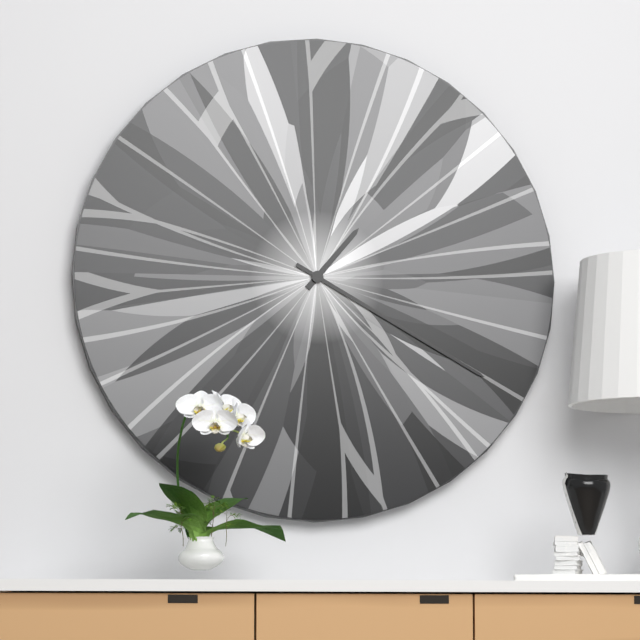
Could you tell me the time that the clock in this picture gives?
1:20
